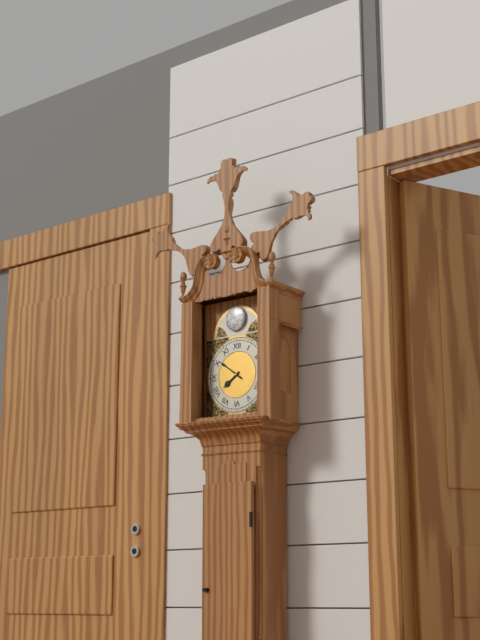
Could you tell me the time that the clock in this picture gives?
7:51
